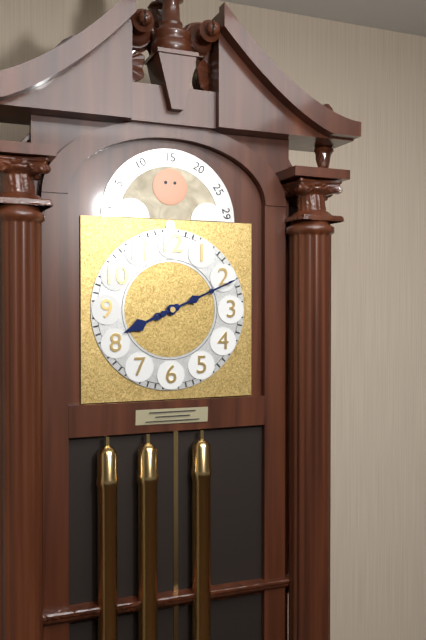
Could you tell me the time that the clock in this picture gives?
8:11
